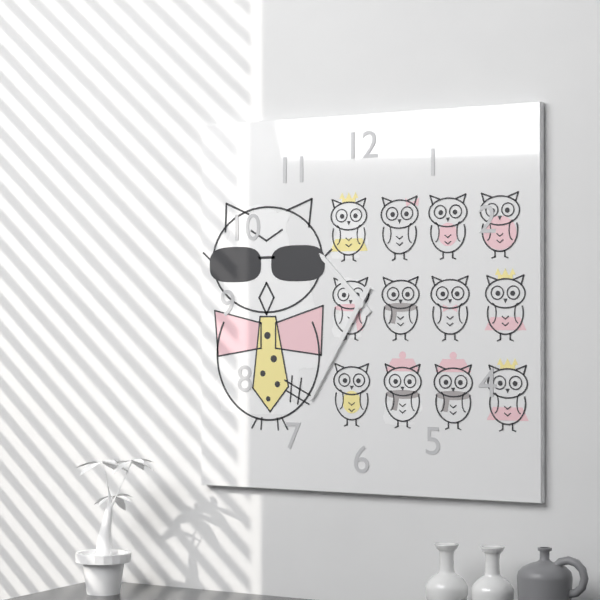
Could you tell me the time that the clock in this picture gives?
10:35
